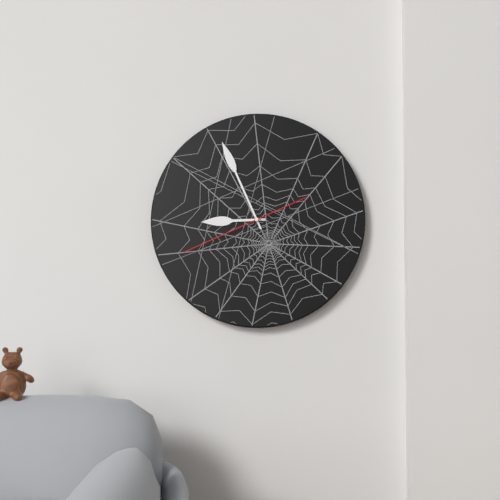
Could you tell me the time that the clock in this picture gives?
8:56:41
